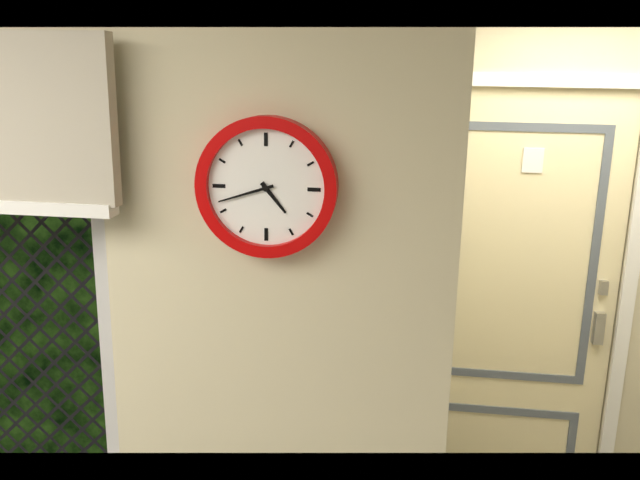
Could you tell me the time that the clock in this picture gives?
4:42
